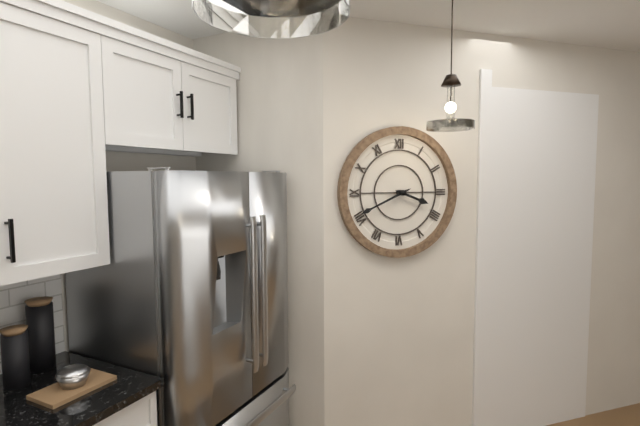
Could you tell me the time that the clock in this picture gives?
3:41
